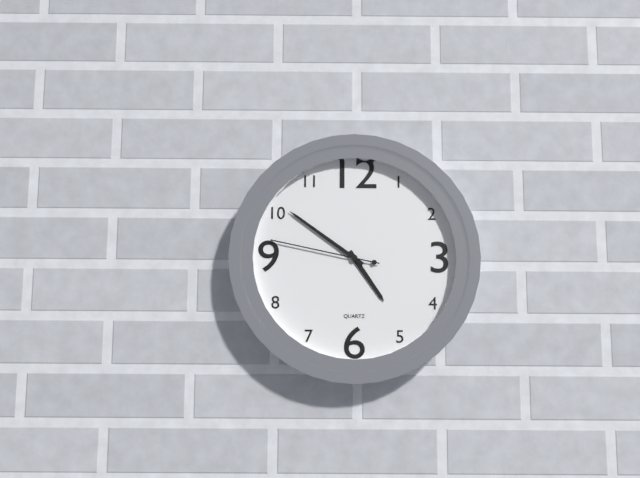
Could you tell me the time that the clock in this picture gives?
4:51:47
